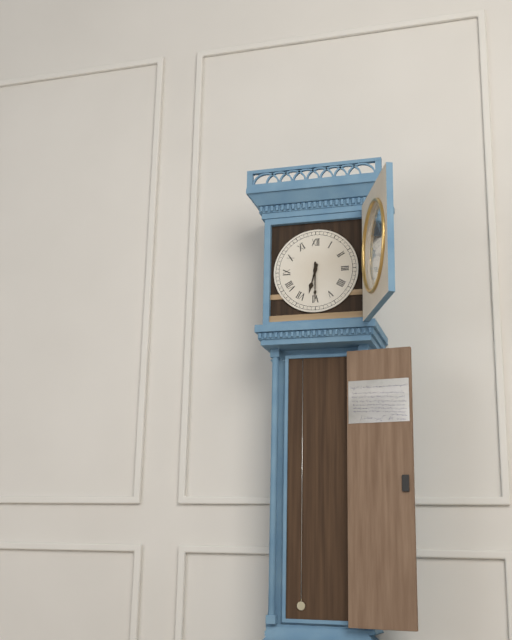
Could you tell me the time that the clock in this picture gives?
6:30
